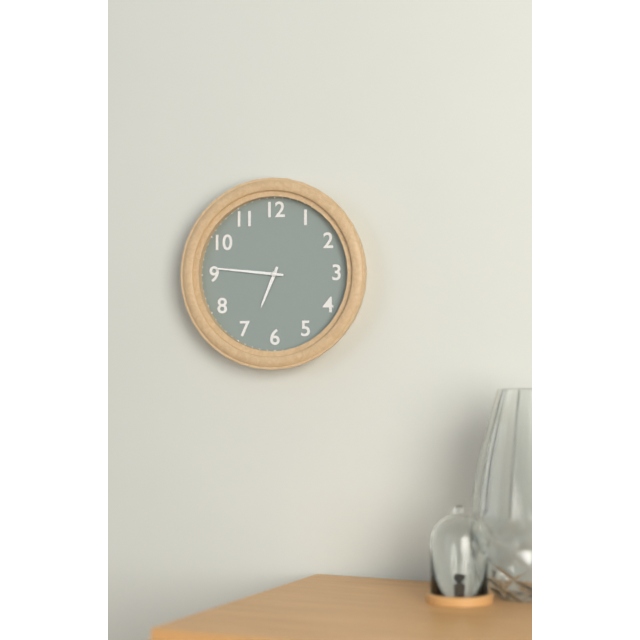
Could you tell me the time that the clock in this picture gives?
6:46
